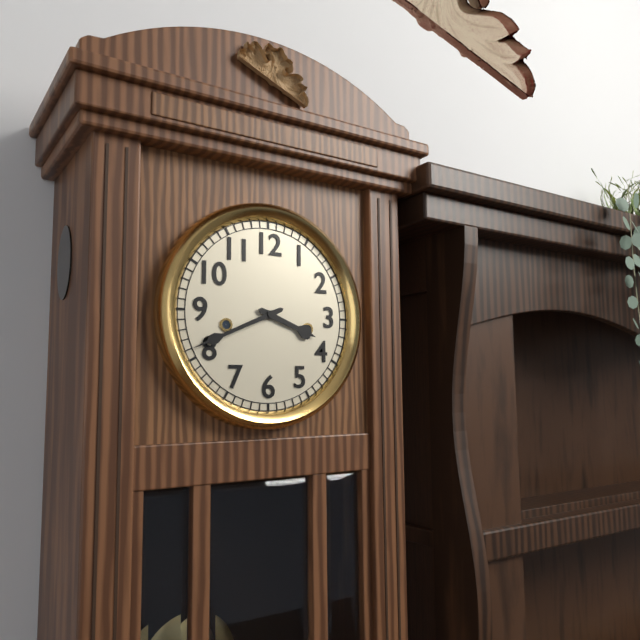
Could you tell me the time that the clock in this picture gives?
3:41
